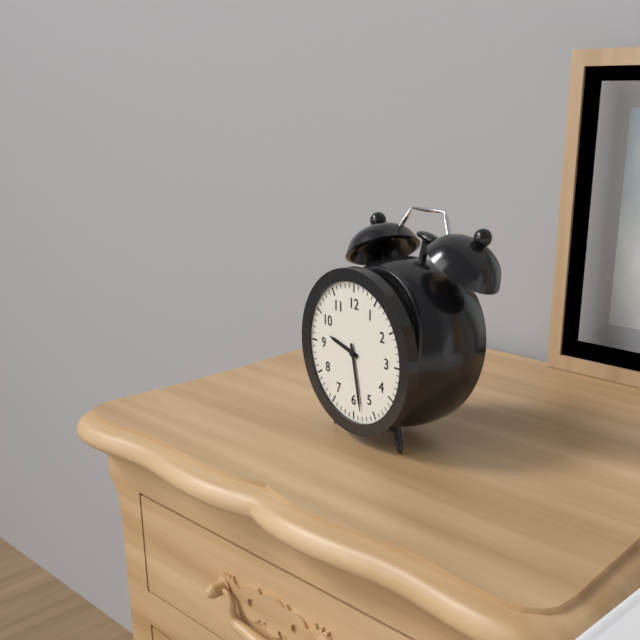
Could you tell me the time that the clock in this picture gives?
9:28
